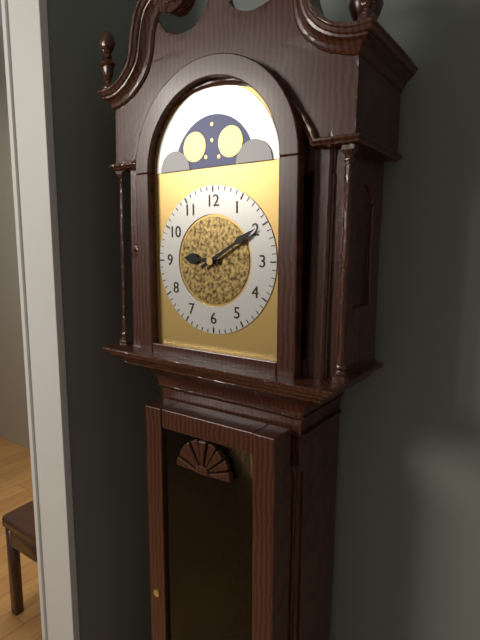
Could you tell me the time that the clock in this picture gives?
9:10
